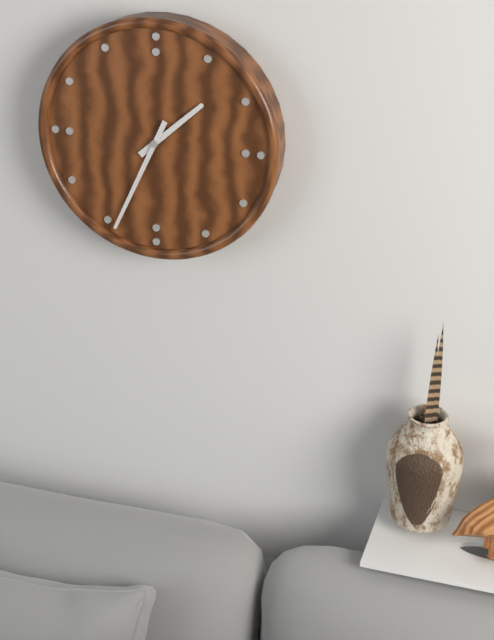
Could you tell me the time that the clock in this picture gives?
1:34
